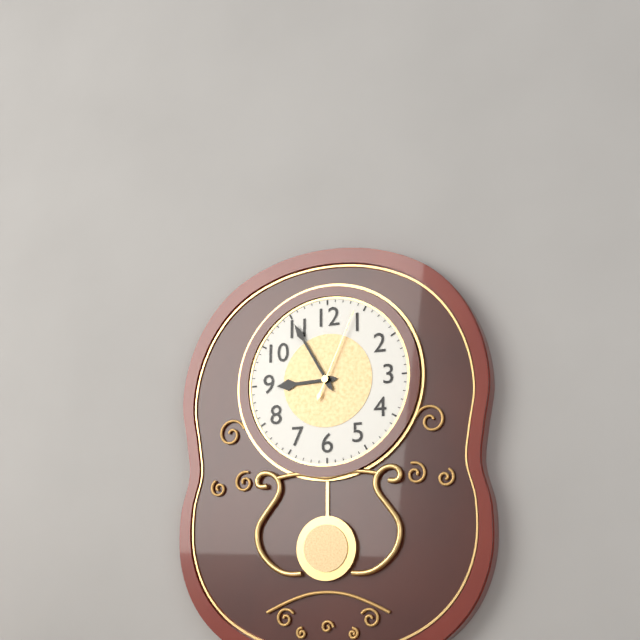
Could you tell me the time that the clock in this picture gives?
8:55:04
